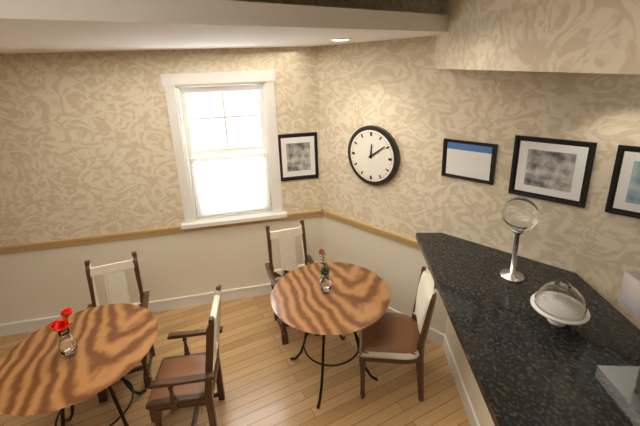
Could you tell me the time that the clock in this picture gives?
12:09
